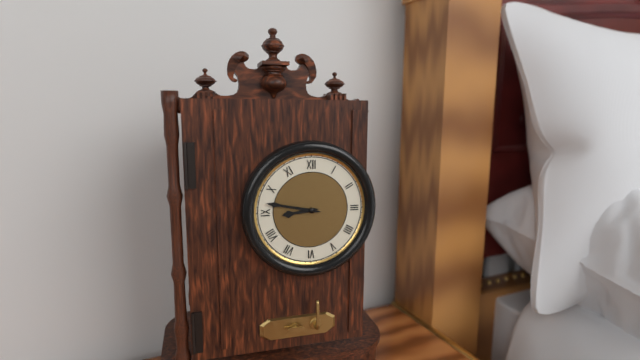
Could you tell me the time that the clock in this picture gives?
8:47
